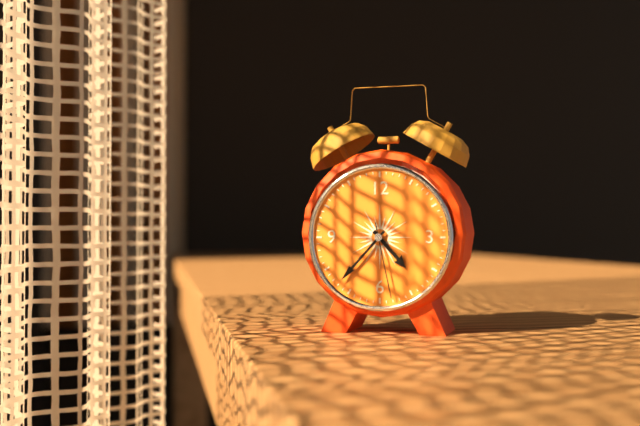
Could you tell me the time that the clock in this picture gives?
4:37:28
